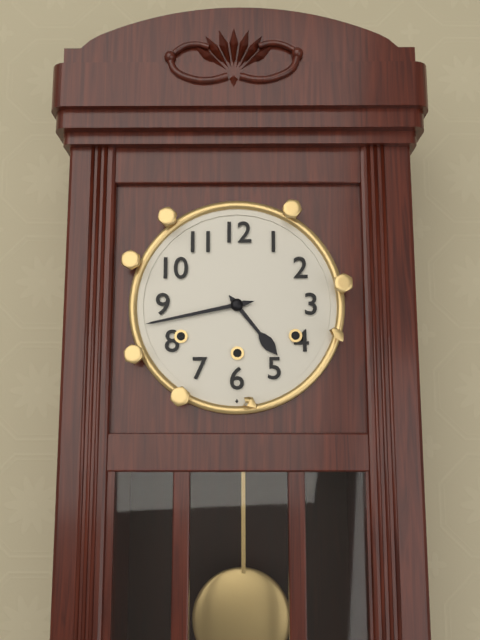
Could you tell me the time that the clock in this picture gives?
4:43
